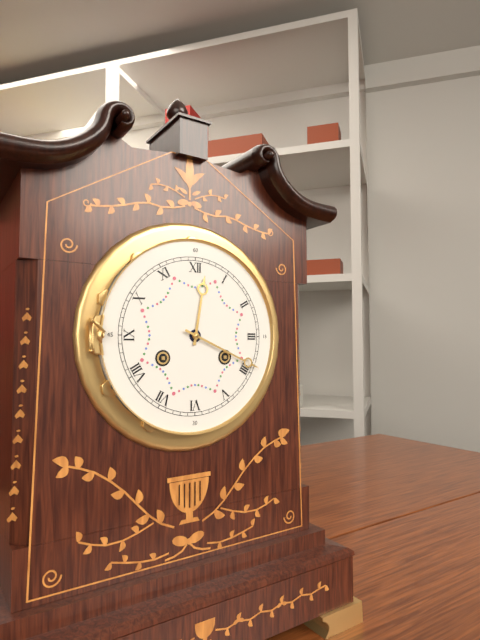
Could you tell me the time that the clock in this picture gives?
12:19
